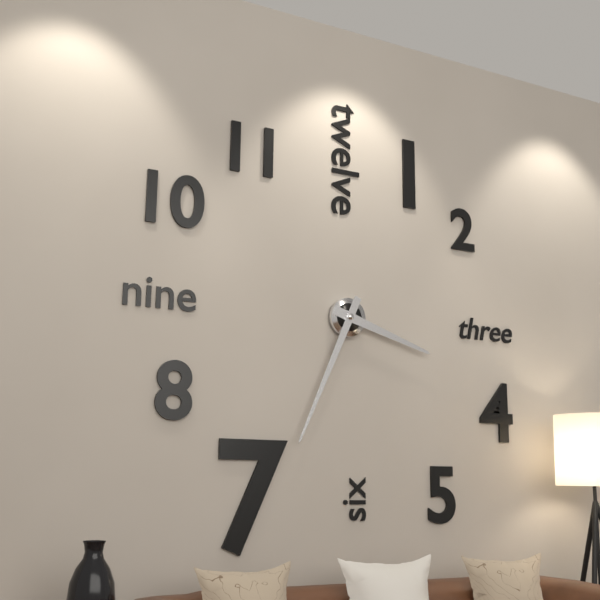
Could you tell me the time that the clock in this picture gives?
3:34
